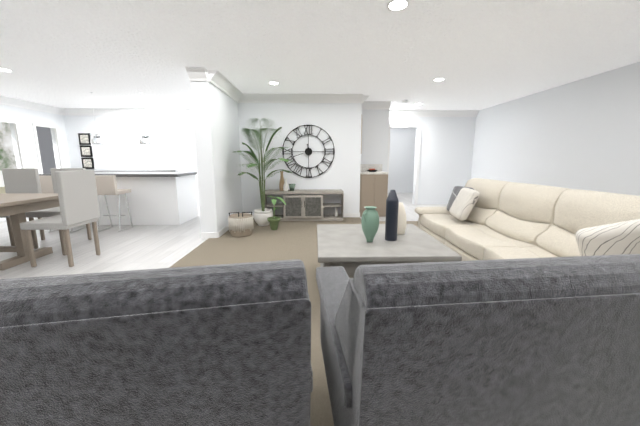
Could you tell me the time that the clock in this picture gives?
11:42
